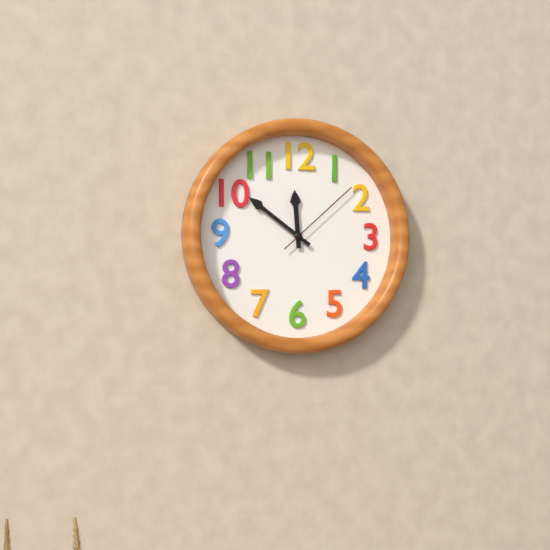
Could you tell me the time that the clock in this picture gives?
11:51:08
